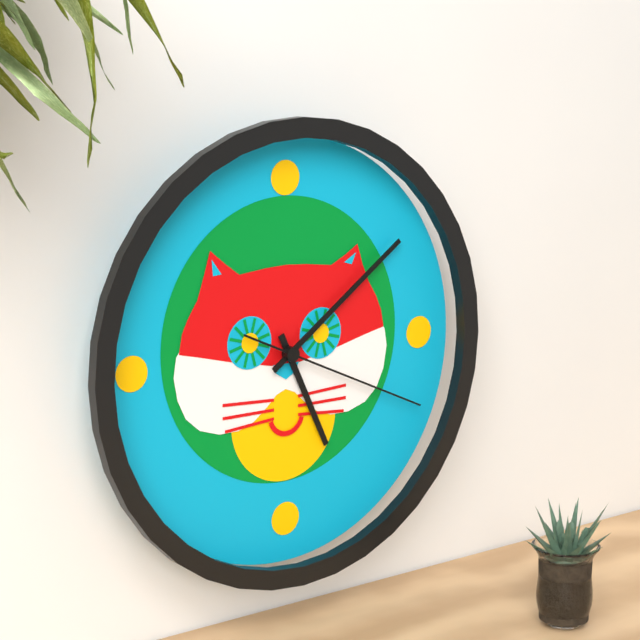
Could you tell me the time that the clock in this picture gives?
5:09:19
